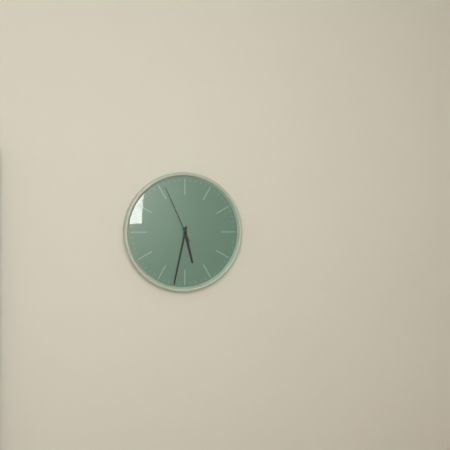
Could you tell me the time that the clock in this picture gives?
5:32:56
